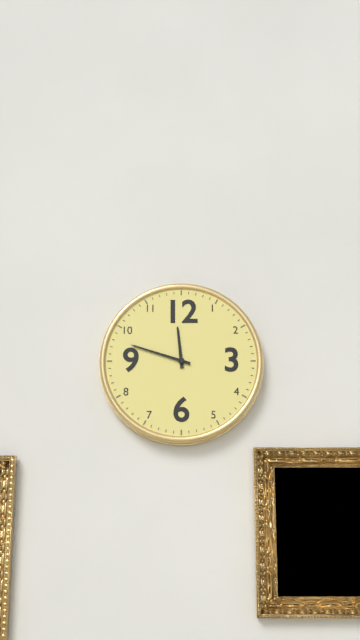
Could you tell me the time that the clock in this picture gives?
11:48
